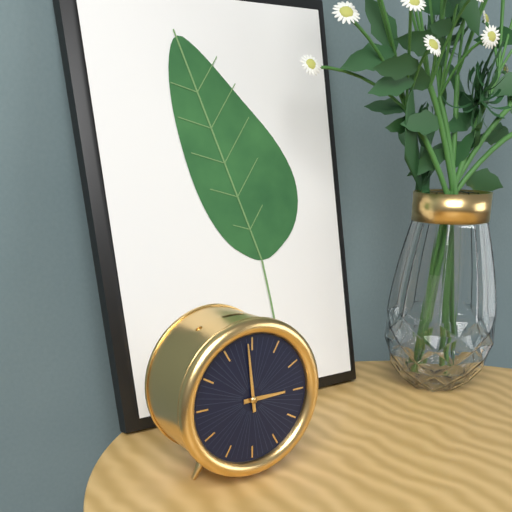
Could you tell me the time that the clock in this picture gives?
2:59
